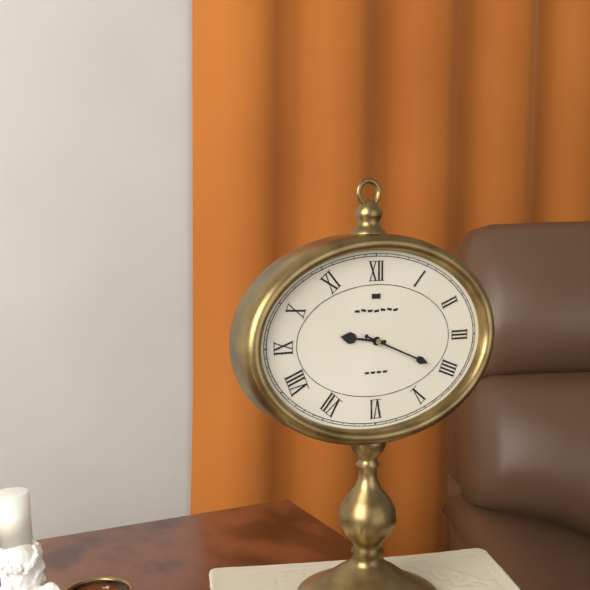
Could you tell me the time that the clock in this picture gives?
9:19
